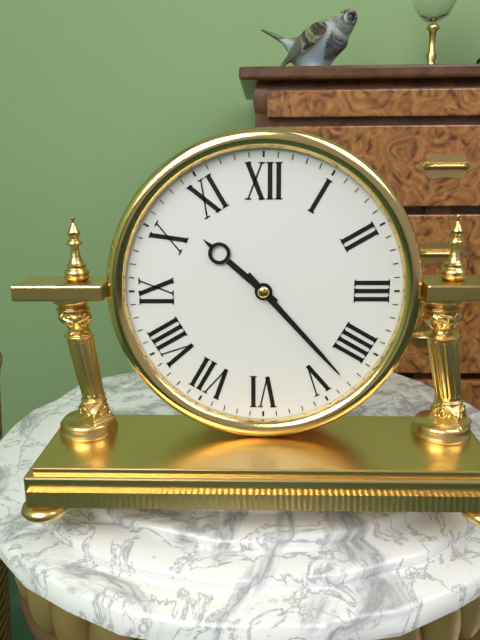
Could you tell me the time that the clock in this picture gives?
10:23
